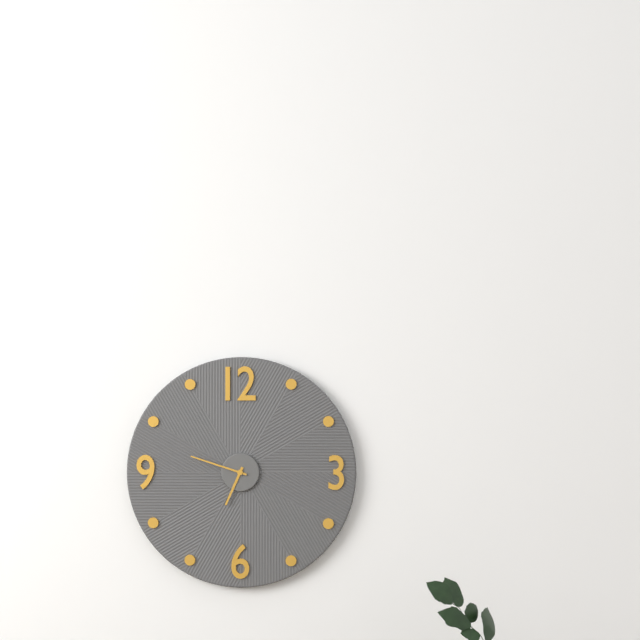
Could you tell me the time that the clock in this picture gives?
6:48
